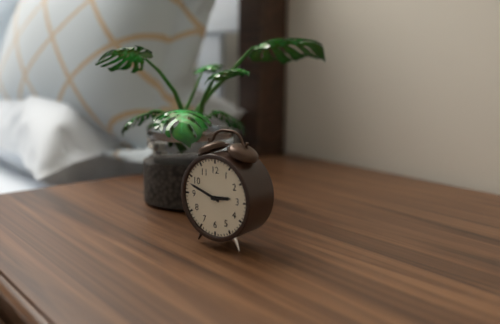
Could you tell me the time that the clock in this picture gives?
2:48
